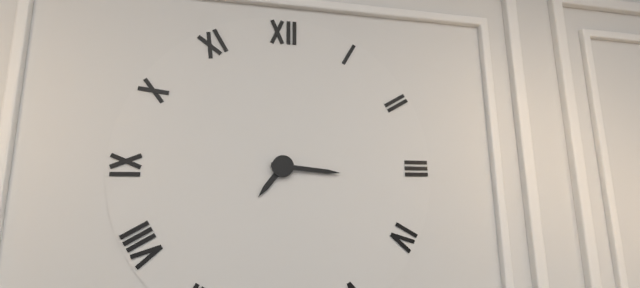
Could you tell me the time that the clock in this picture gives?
7:16
